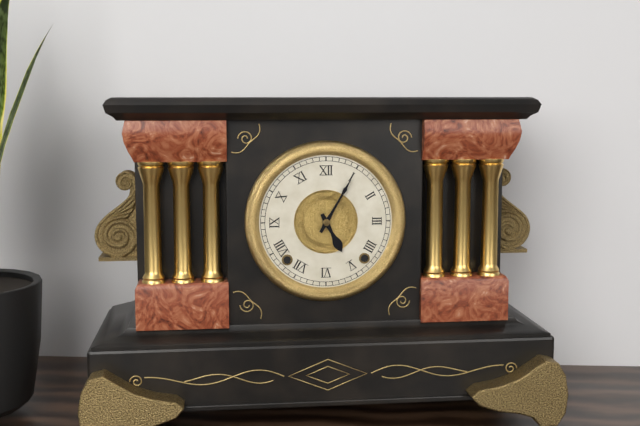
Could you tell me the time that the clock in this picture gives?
5:05
